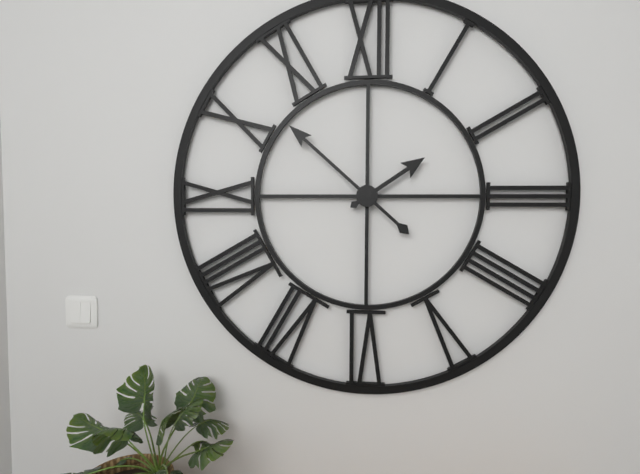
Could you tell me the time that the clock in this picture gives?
1:52
